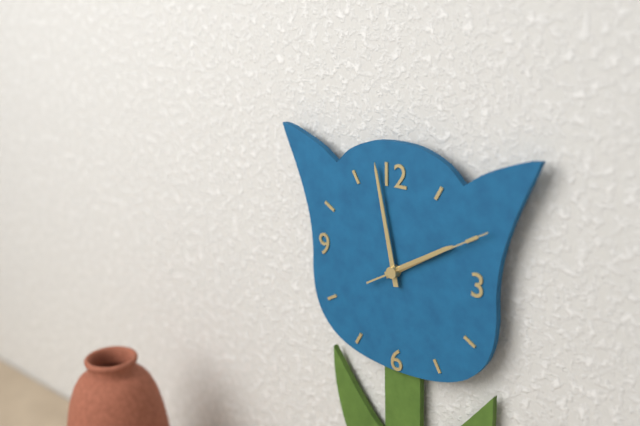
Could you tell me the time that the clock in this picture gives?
1:58:10
